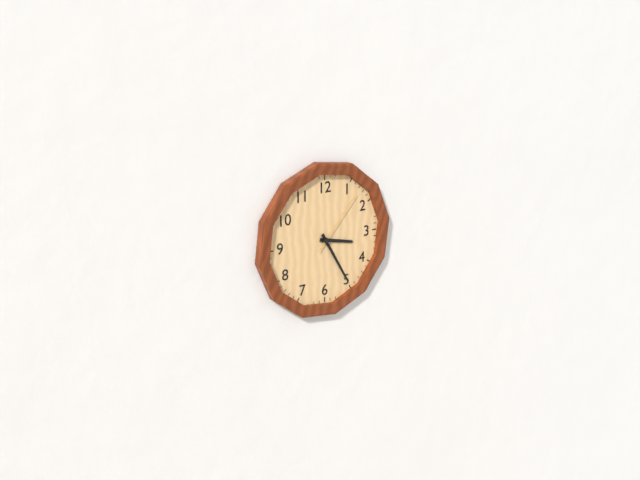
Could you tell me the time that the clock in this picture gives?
3:25:07
